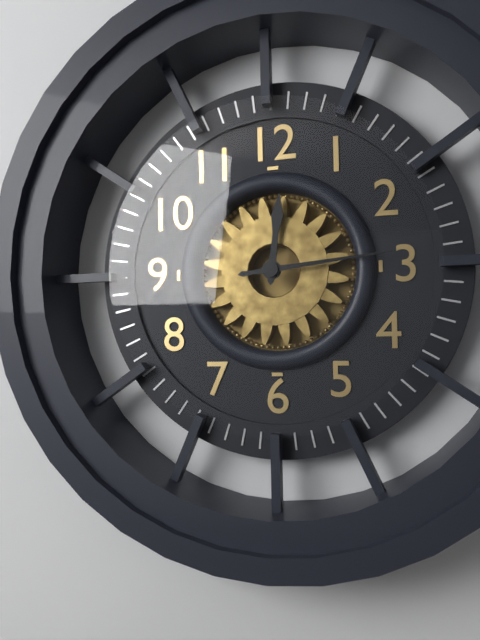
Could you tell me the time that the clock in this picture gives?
12:14
